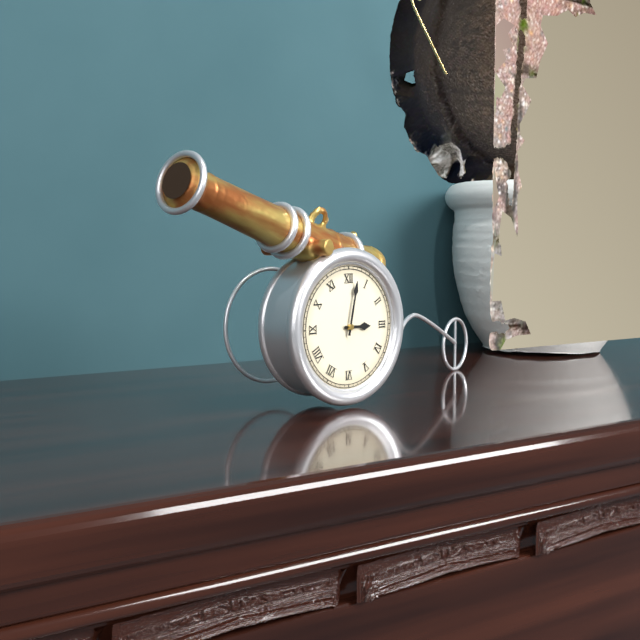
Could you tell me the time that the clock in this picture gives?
3:02
